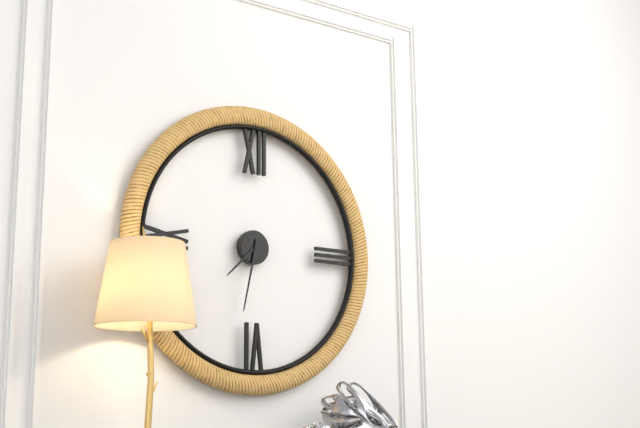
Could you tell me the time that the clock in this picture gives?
7:32
